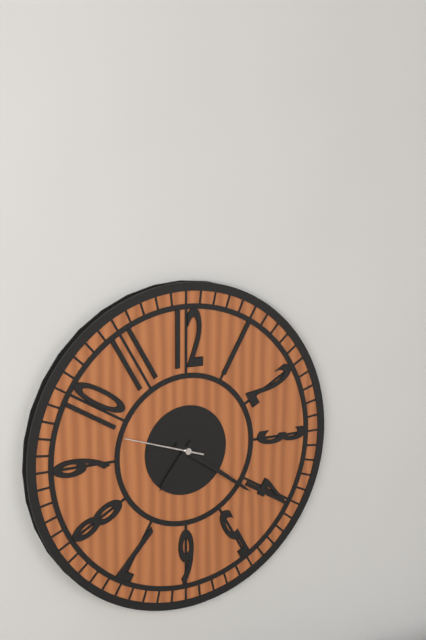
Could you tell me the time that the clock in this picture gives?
7:21:48
